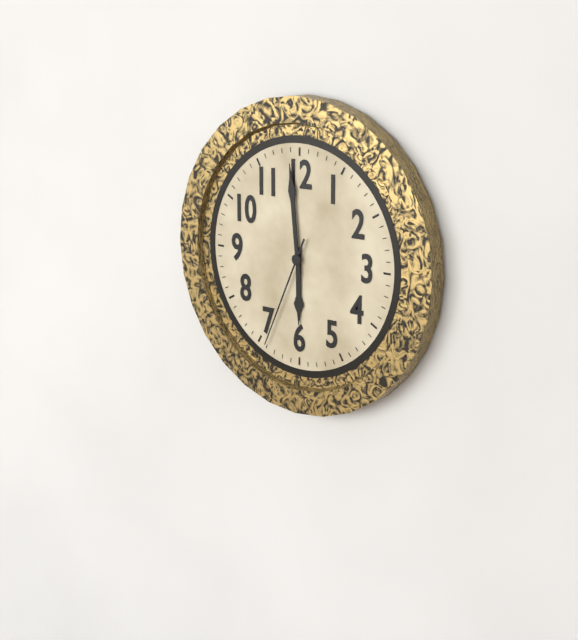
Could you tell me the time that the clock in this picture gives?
5:59:34
